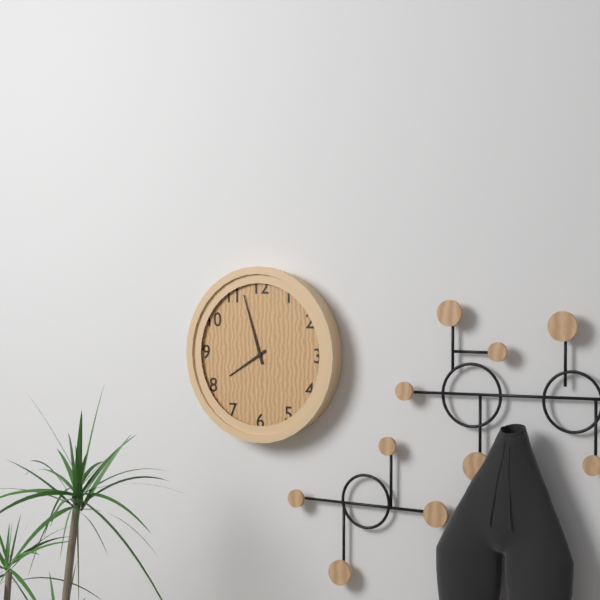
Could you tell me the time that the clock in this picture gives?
7:57
